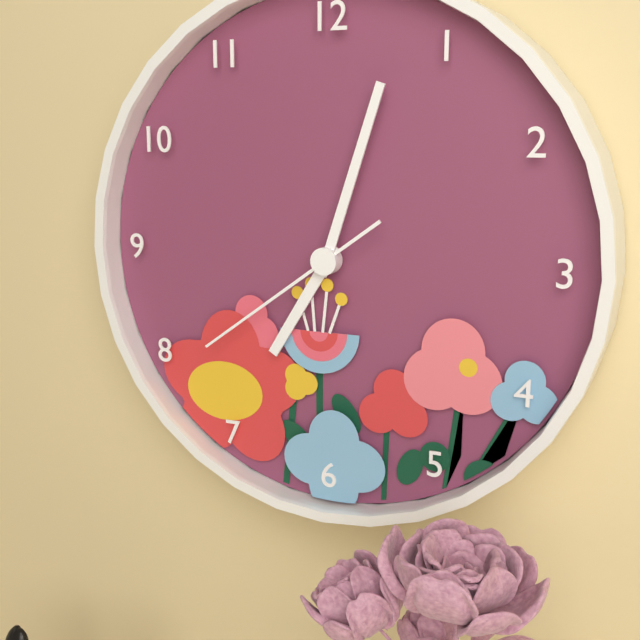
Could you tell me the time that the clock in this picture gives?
7:03:39
